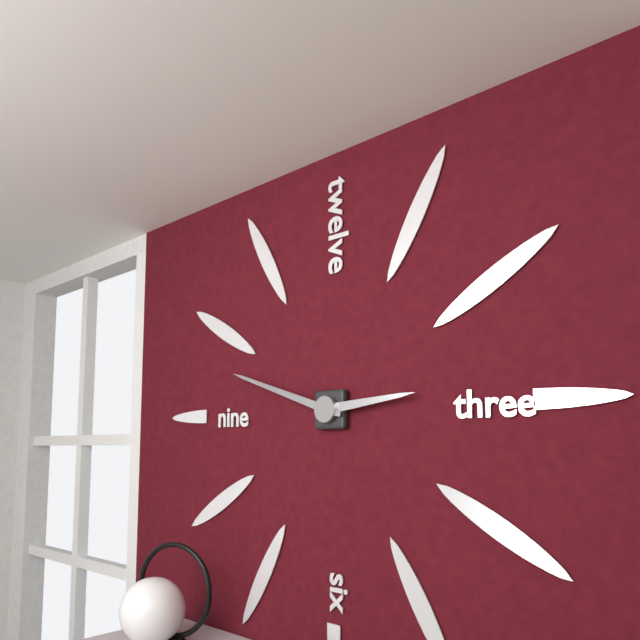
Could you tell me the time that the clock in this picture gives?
2:48
